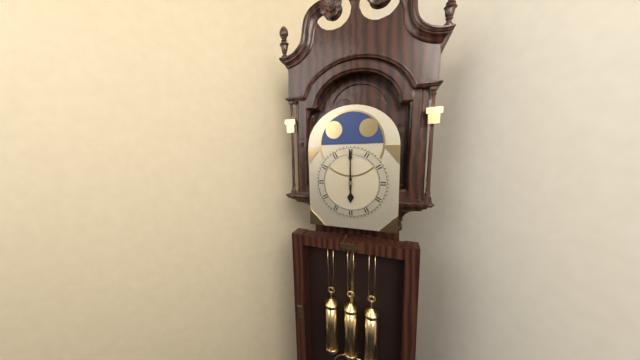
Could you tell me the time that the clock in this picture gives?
6:00
